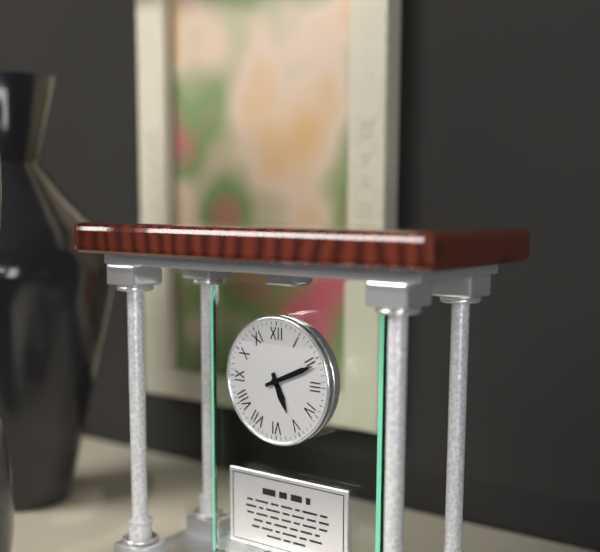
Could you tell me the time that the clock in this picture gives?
5:11
